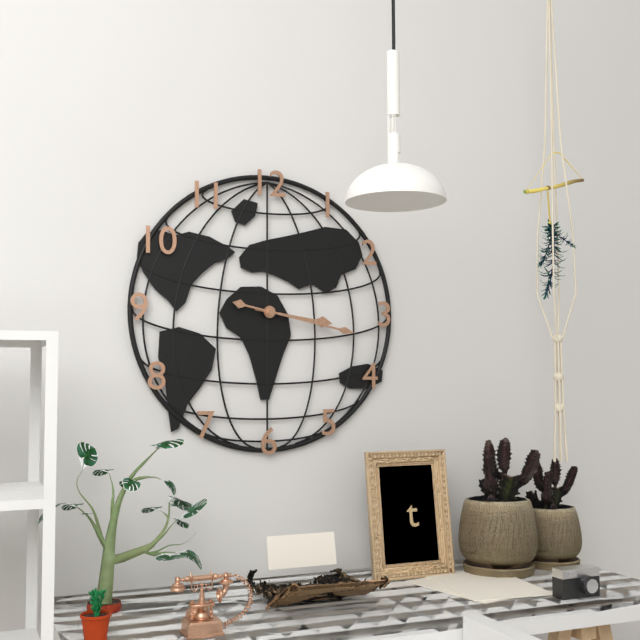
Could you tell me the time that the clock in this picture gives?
3:17
